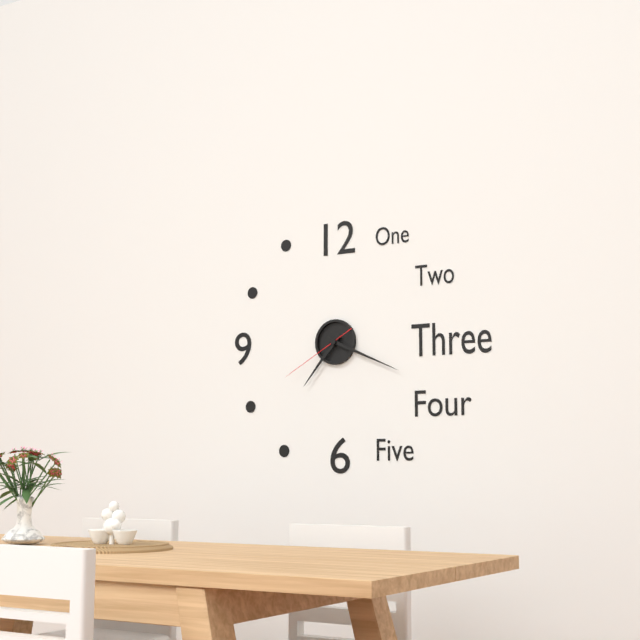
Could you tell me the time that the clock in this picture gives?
7:19:40
